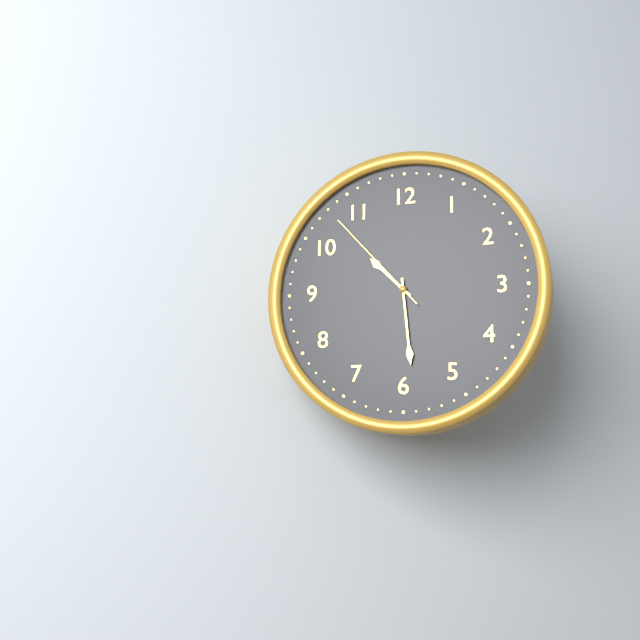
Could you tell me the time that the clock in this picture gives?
10:29:53
